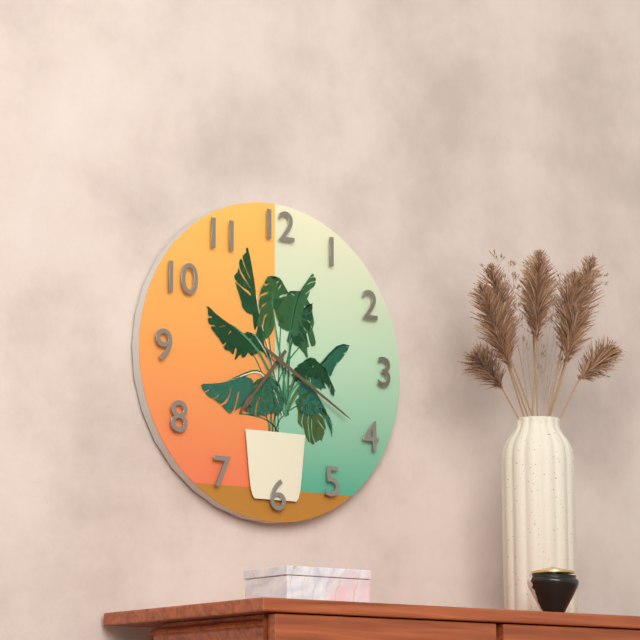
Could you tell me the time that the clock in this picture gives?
7:20
